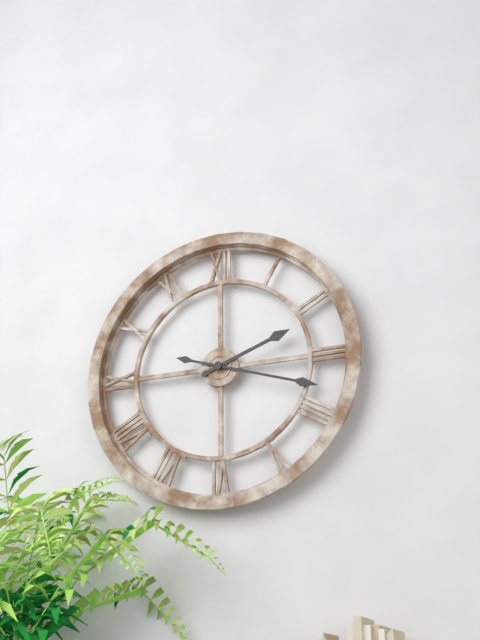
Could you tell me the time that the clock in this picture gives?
2:18
